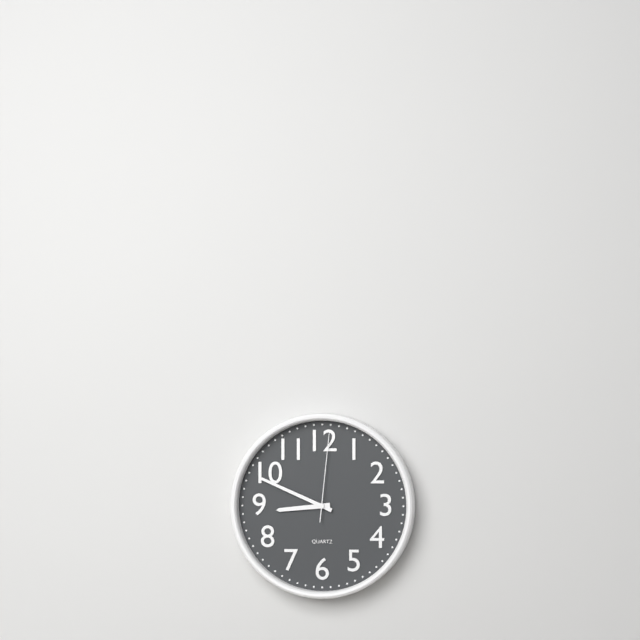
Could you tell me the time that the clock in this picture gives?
8:49:01
